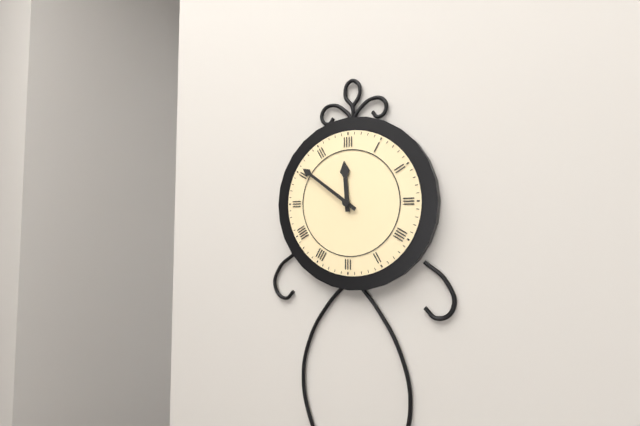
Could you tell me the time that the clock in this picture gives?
11:51
